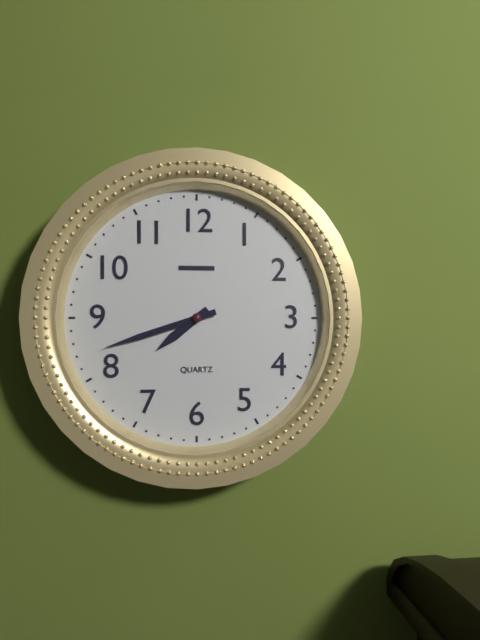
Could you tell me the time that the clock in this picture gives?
7:42
